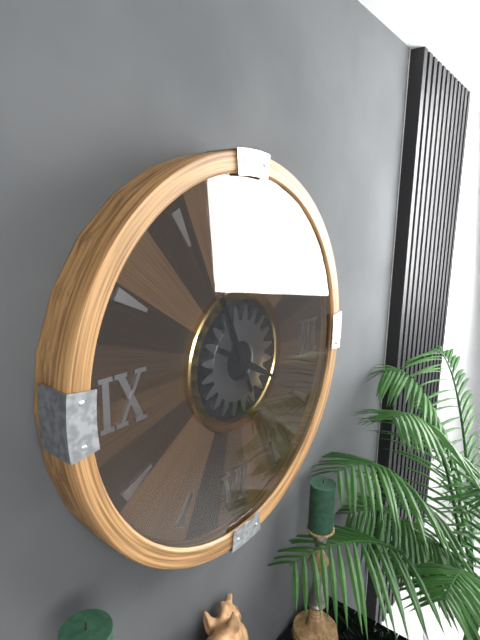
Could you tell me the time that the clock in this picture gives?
3:56
